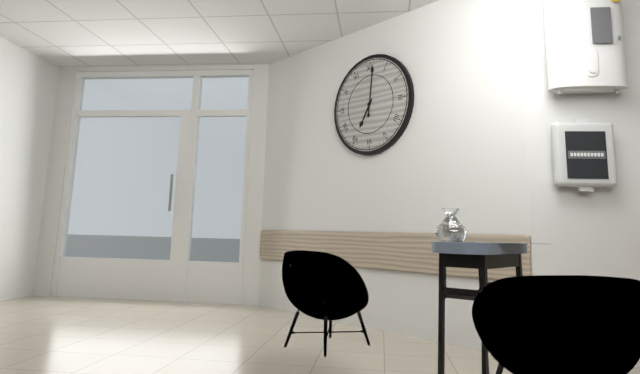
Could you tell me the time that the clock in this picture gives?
7:01
